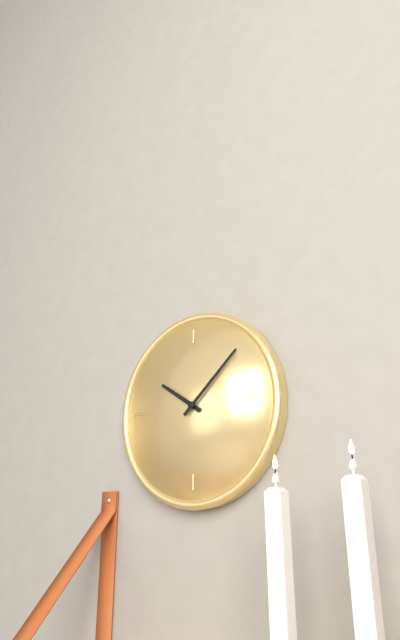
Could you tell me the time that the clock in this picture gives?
10:08
